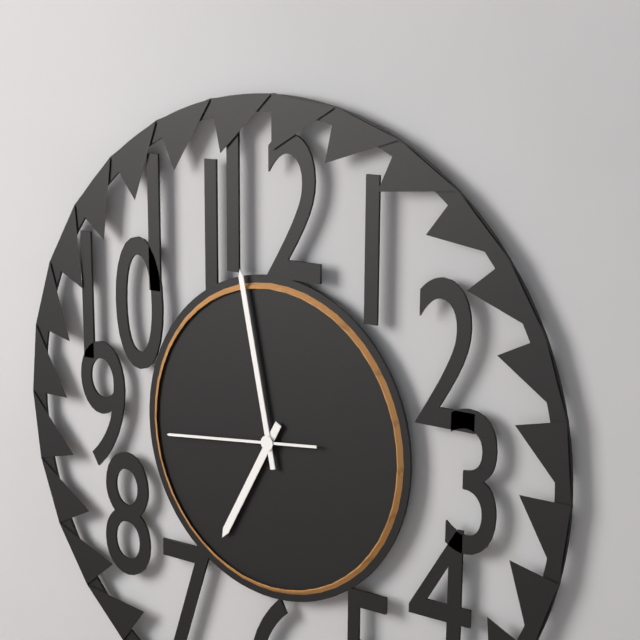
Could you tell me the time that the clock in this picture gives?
6:58:44
